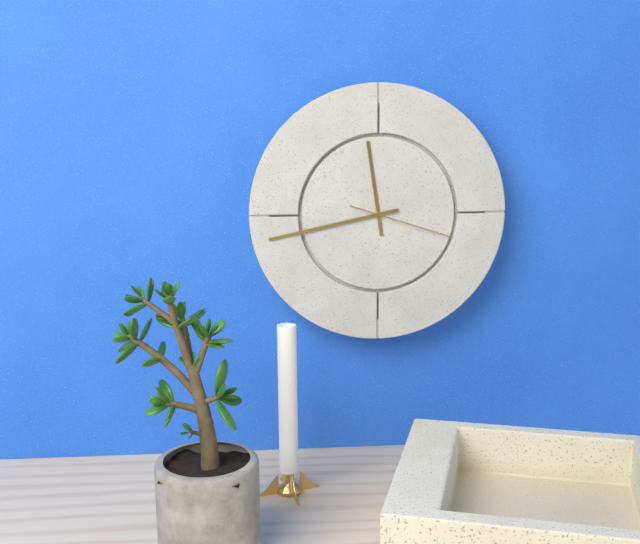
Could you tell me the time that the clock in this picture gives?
11:43:18
